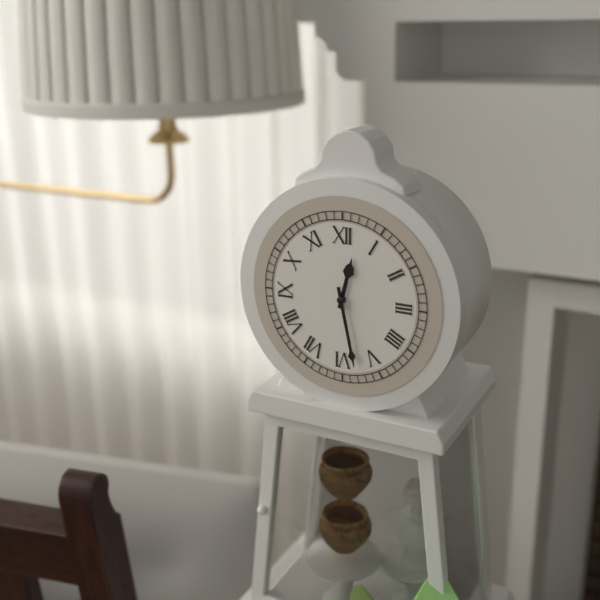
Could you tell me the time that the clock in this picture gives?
12:28
